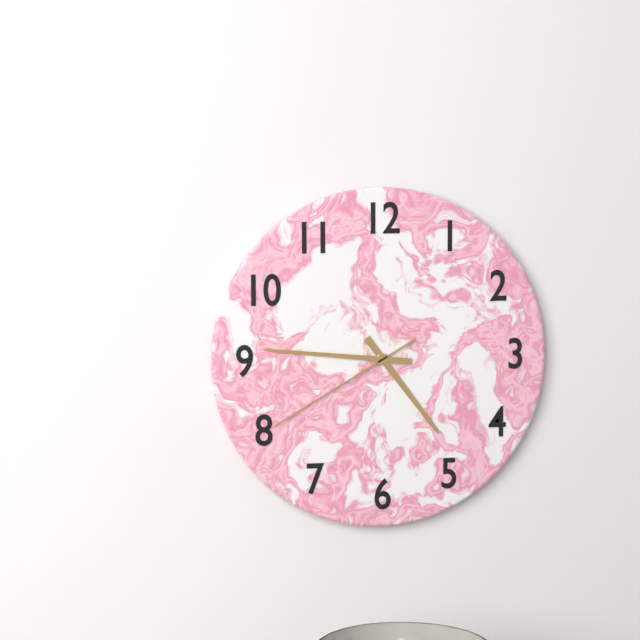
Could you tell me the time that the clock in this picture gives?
4:46:40
